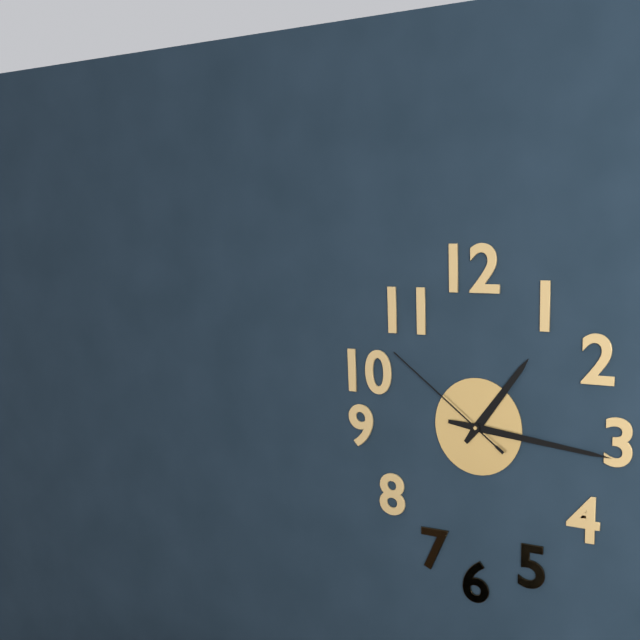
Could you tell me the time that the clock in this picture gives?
1:16:51
